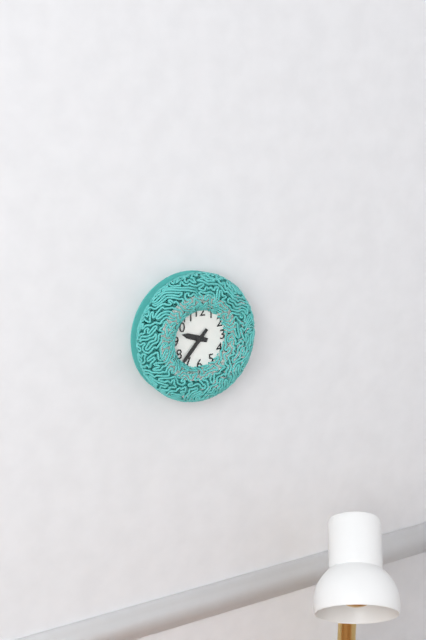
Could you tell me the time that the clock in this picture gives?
9:37
